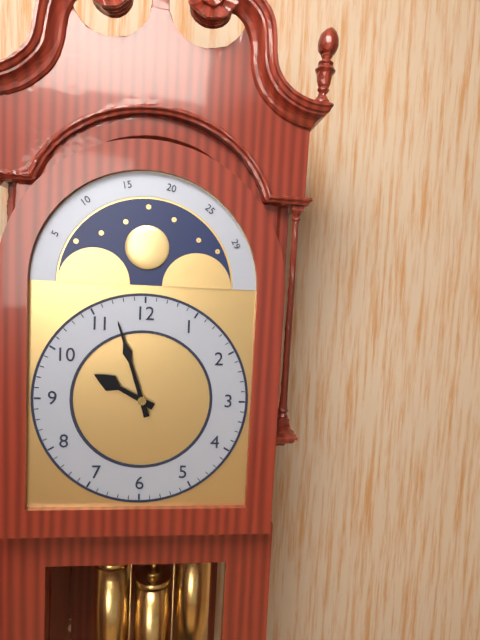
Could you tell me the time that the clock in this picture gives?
9:57
